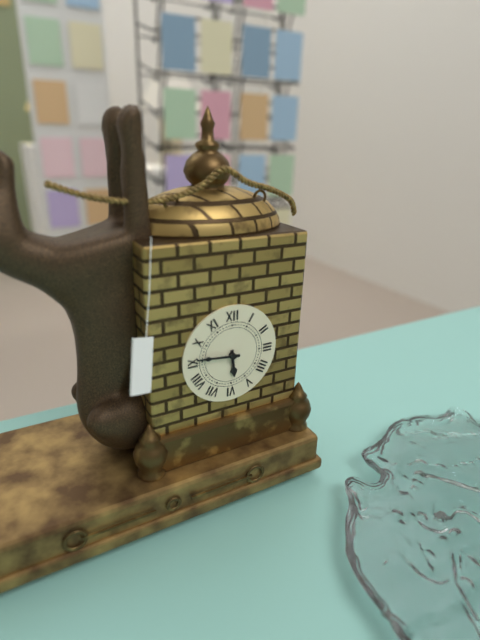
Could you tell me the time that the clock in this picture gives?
5:46
